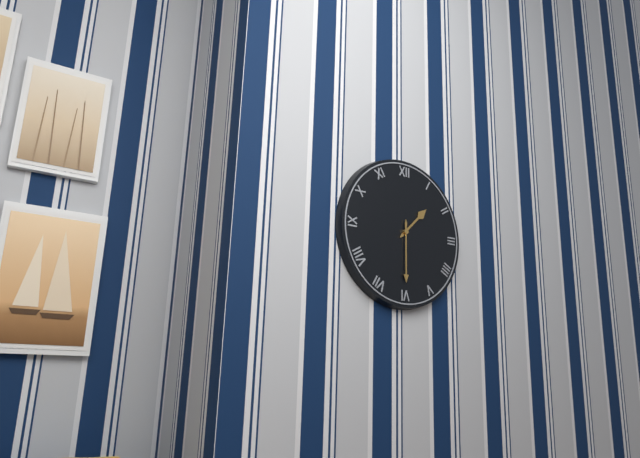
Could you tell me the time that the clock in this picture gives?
1:30
